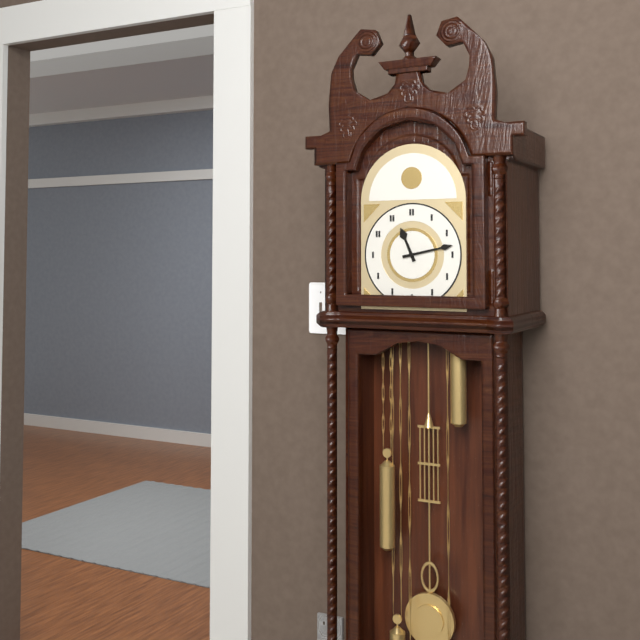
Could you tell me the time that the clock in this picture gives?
11:13
